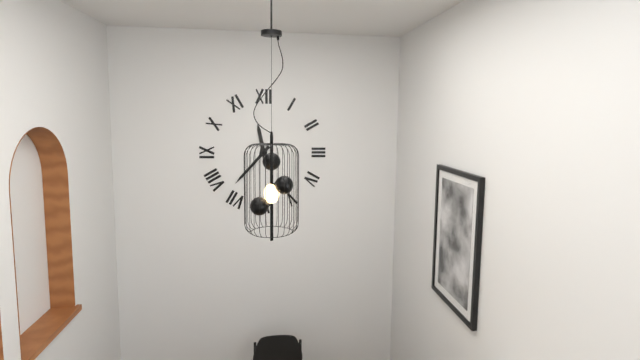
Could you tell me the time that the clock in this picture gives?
11:37
